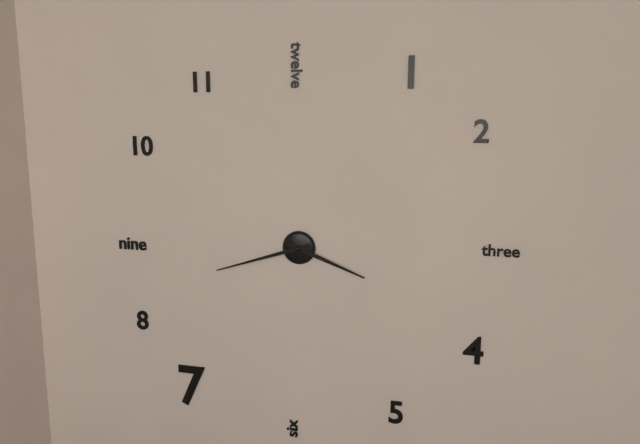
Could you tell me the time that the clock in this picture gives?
3:42
